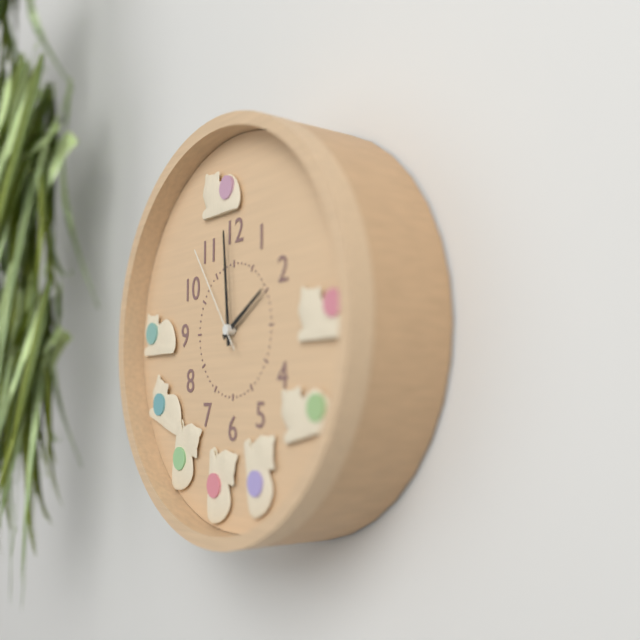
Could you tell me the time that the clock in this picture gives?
1:59:54
